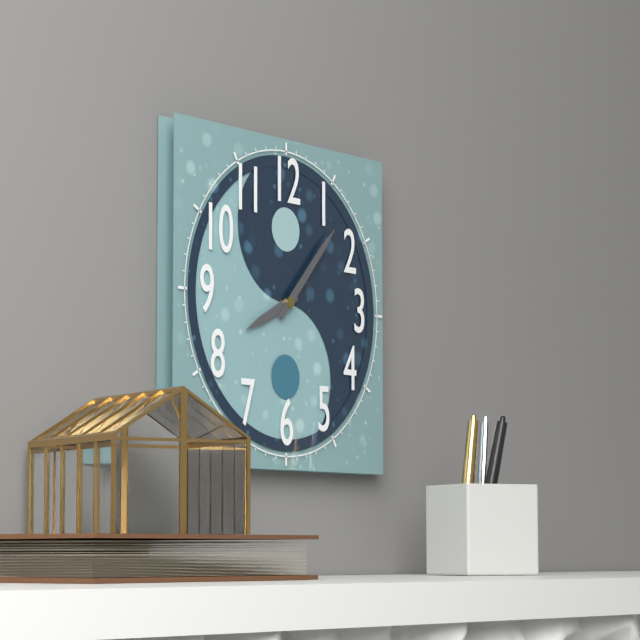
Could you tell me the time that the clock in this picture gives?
8:07
